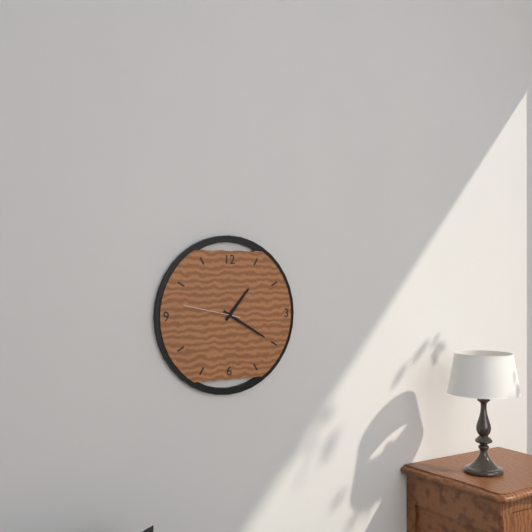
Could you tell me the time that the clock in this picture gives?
1:20:47
